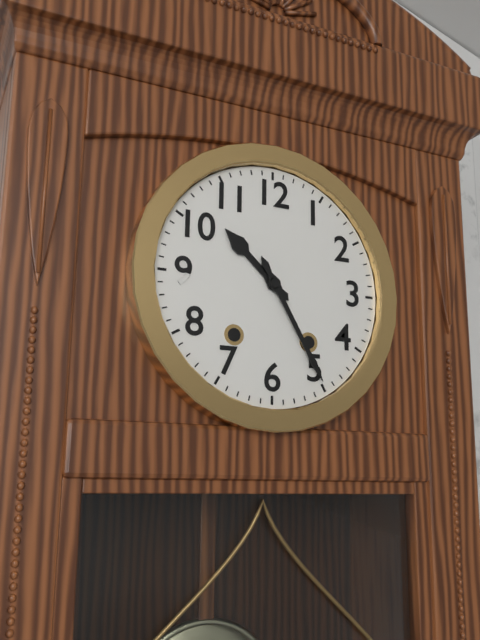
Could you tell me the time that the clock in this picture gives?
10:25
